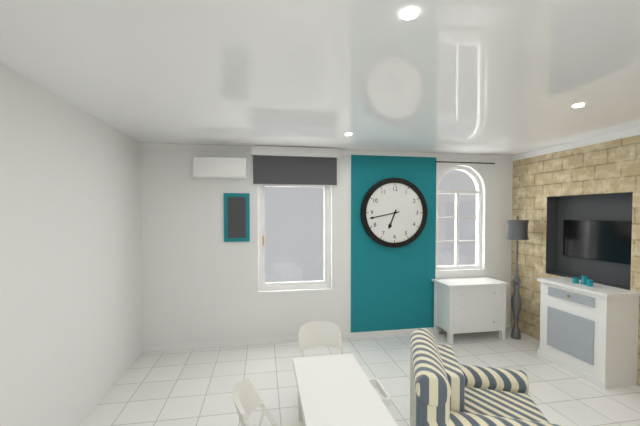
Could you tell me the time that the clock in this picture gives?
6:43
